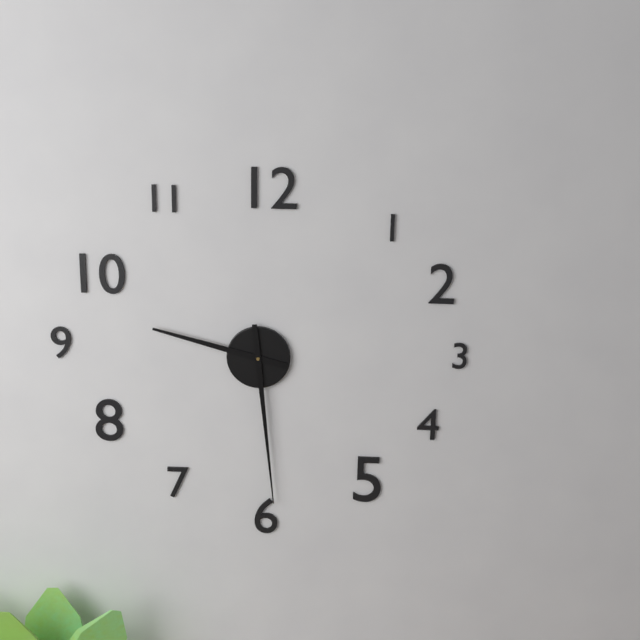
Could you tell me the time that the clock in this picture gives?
9:29
